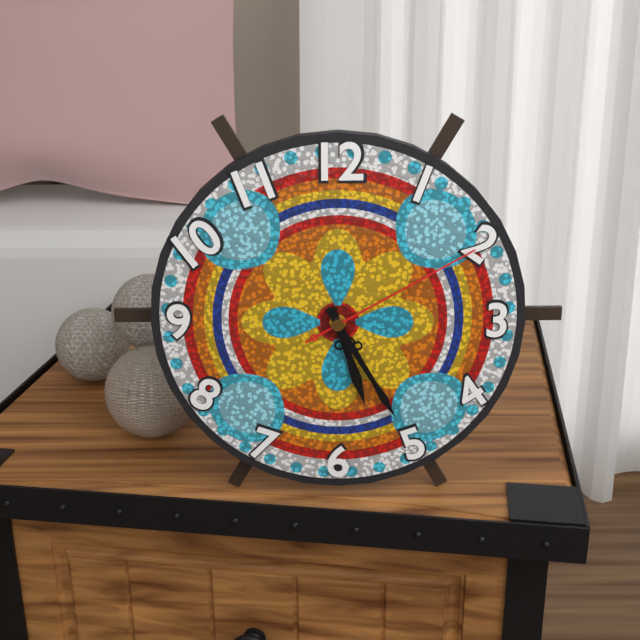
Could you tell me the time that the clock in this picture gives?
5:25:10
